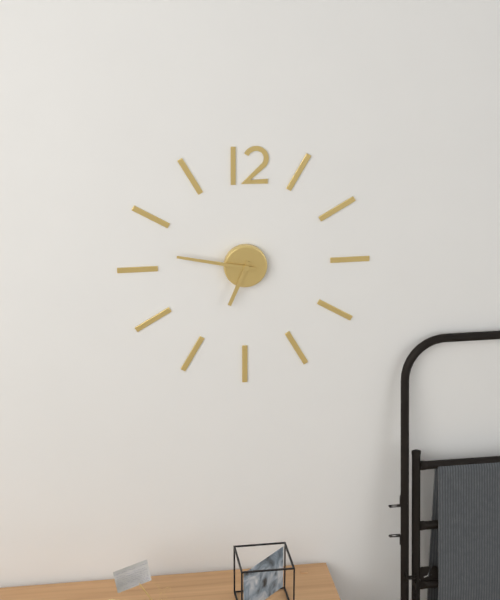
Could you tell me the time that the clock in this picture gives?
6:47
